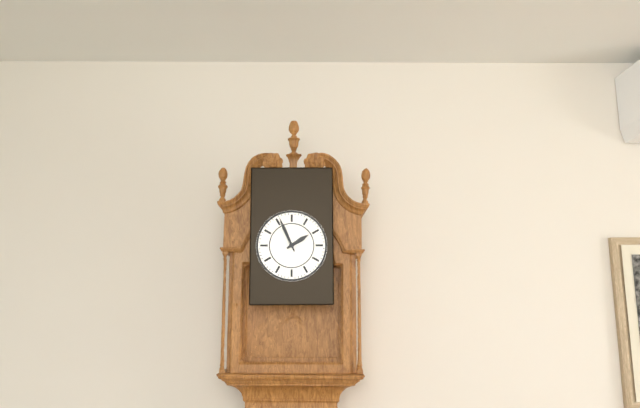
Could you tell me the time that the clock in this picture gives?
1:56
